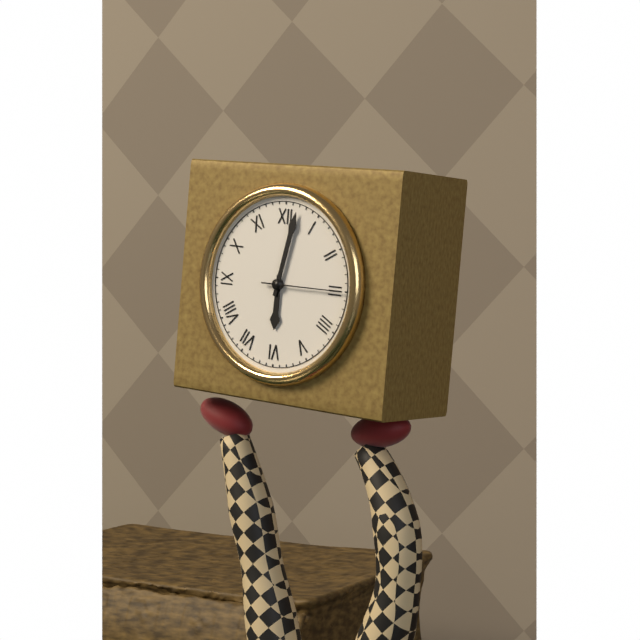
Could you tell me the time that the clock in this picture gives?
6:02
